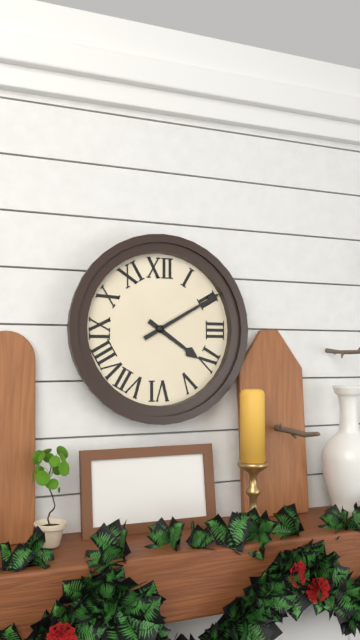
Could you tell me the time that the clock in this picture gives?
4:10
